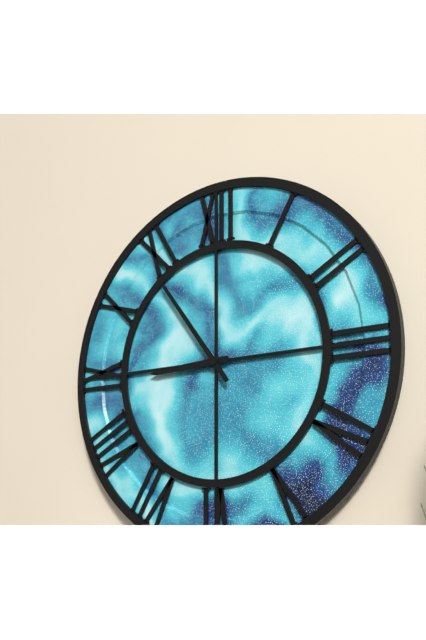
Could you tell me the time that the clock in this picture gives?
8:54
